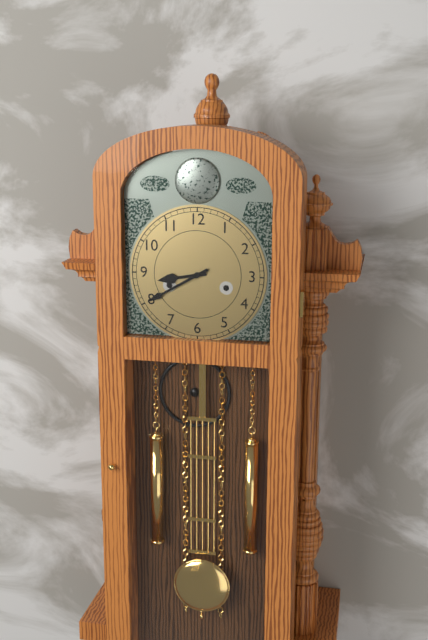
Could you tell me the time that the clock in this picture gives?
8:40
